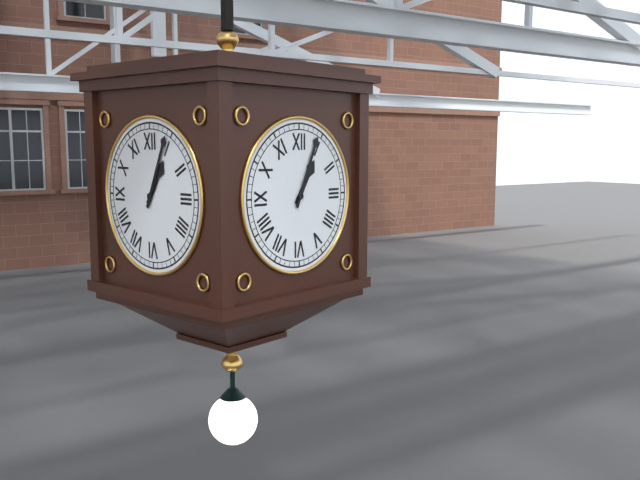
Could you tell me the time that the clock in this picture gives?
1:04
